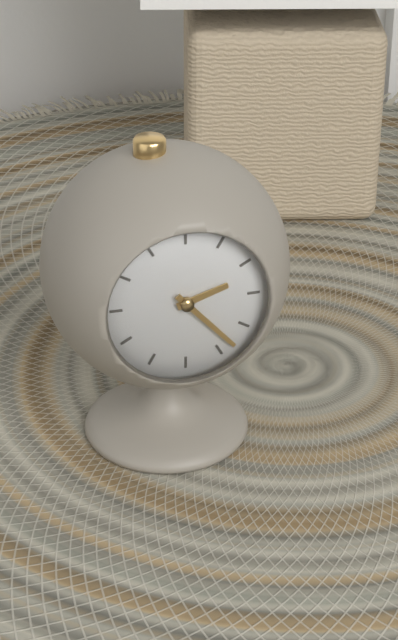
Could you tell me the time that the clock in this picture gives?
2:23
